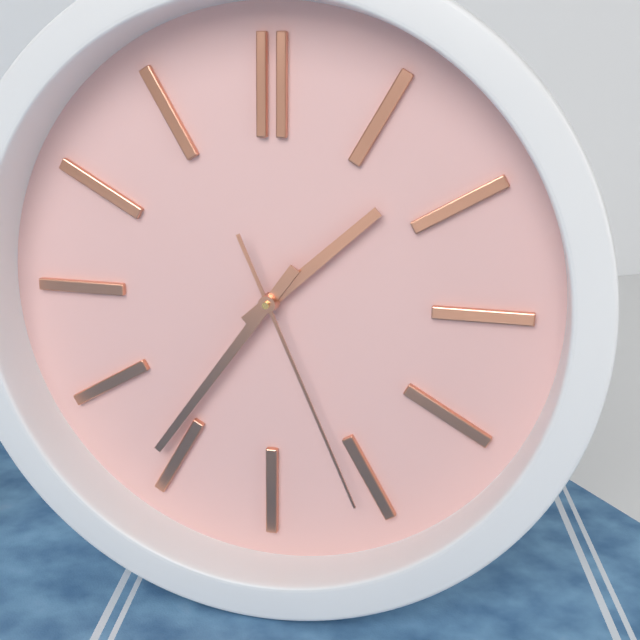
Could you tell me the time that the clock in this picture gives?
1:36:26
